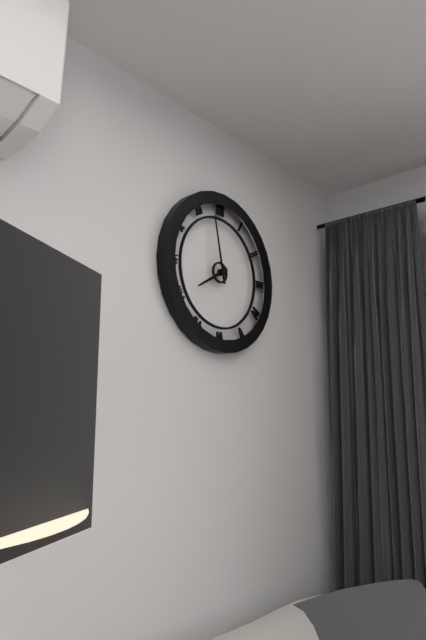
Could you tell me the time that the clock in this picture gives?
7:58
